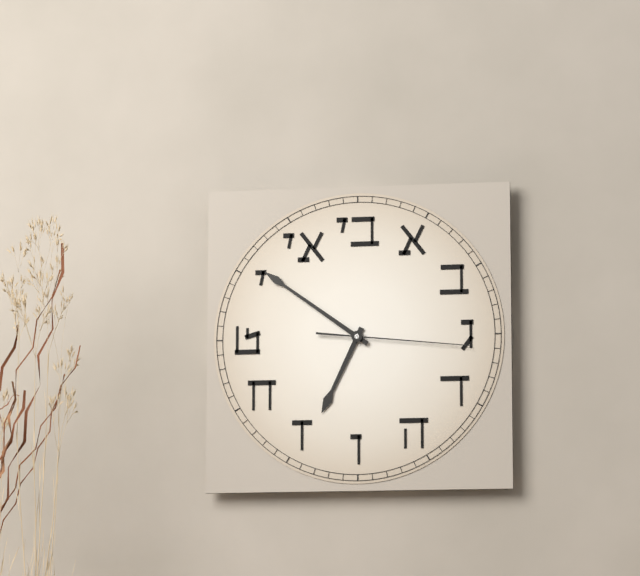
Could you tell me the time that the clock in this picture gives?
6:51:16
